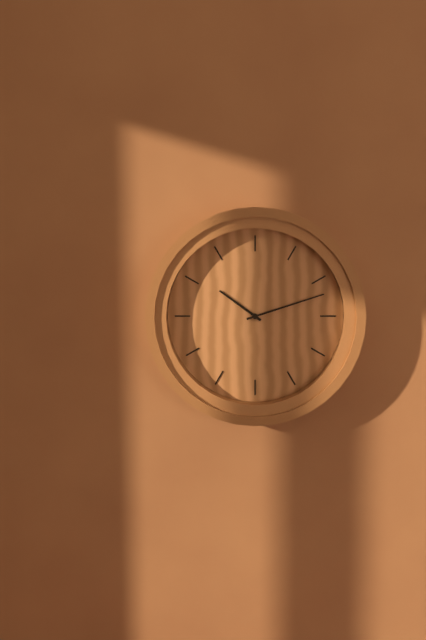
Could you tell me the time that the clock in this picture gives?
10:12
